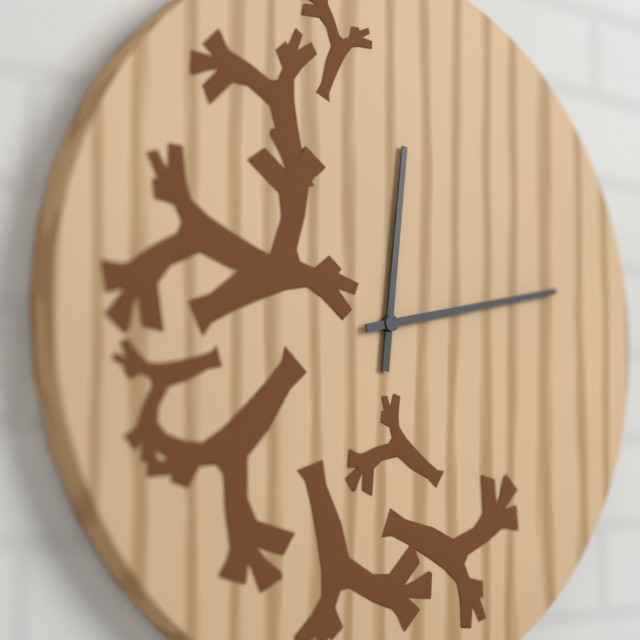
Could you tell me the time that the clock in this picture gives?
12:13
